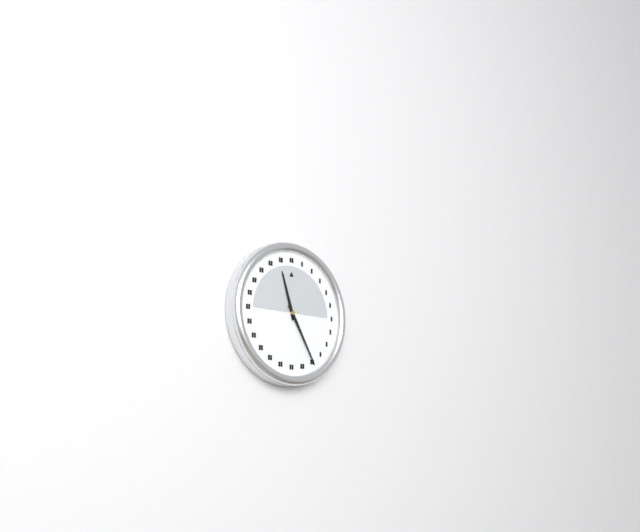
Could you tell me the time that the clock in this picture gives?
11:25
